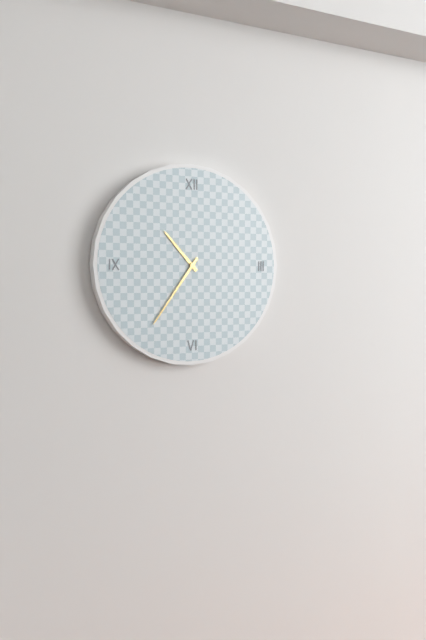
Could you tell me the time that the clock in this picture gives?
10:36
